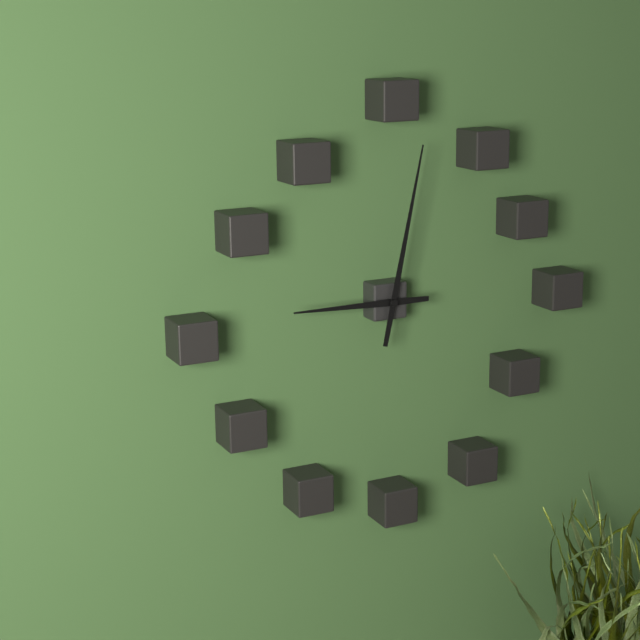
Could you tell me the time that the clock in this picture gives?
9:02
